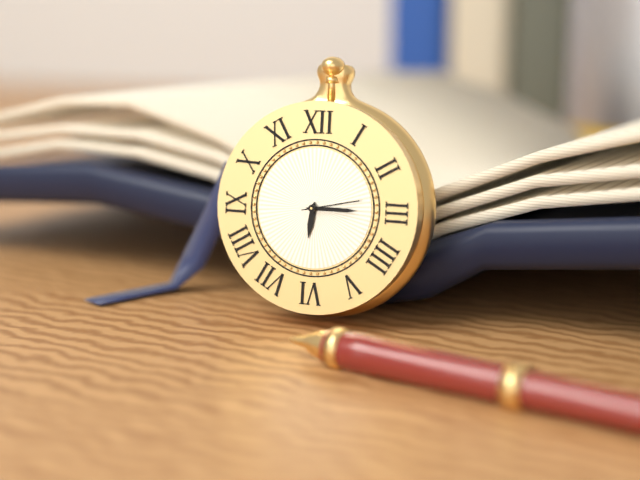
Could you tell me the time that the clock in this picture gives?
6:15:13
